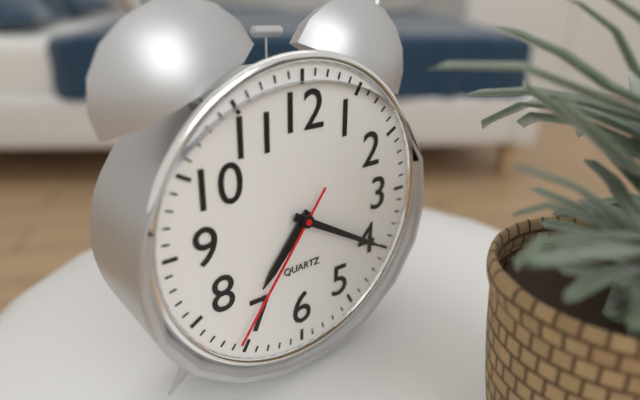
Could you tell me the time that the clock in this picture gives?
7:20:36
